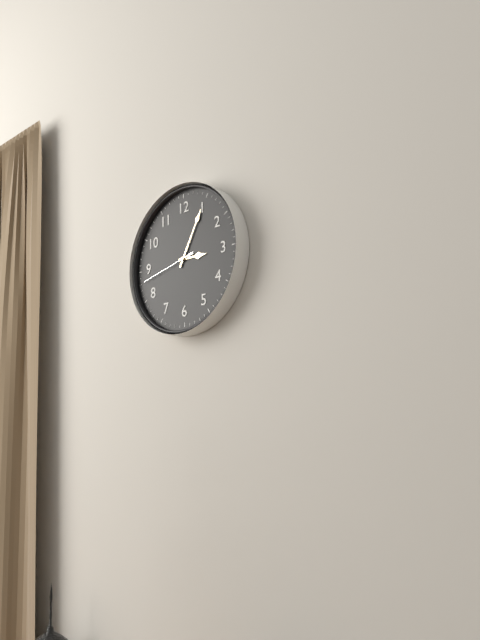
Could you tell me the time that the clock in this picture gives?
3:05:43
